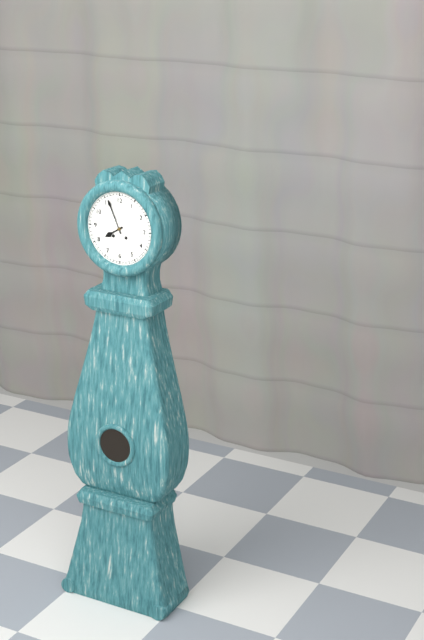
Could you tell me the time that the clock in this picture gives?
7:56
